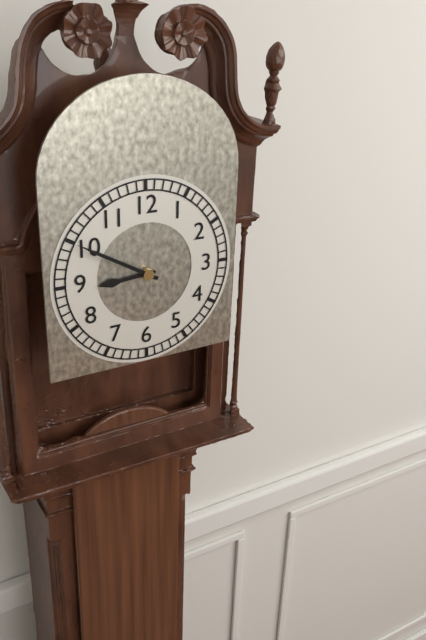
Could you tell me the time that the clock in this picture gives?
8:50
